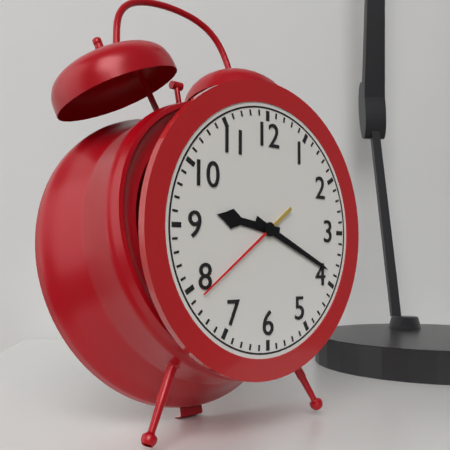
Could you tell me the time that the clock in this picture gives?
9:19:39
